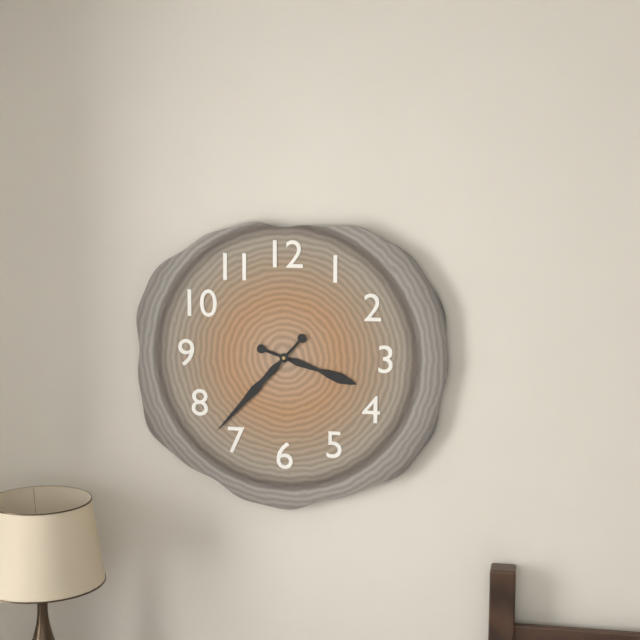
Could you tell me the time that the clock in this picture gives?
3:37
